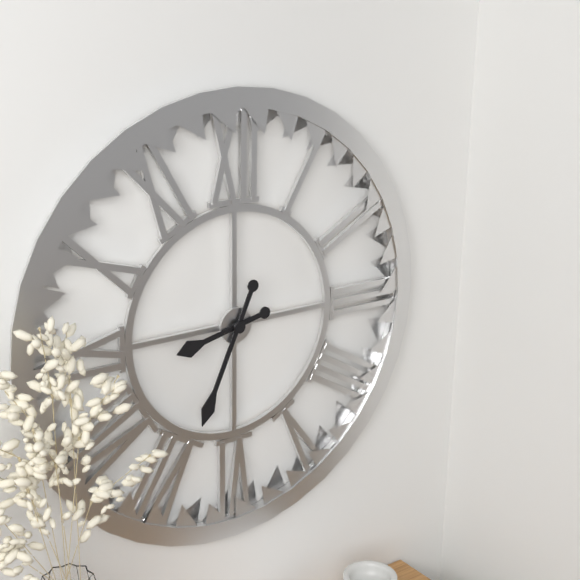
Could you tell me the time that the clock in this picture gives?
8:34
